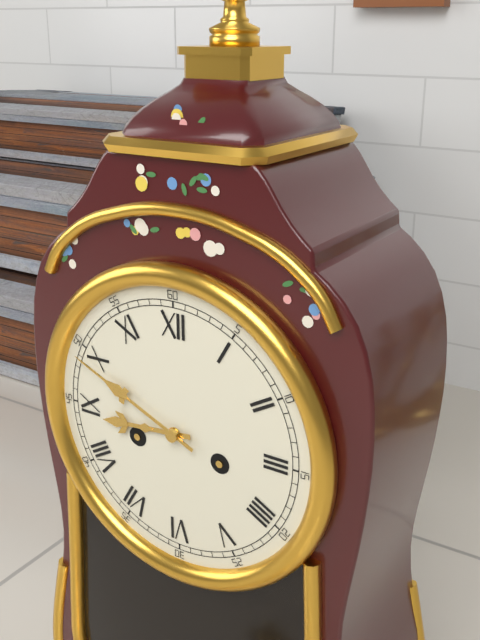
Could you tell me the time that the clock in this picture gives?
8:49
